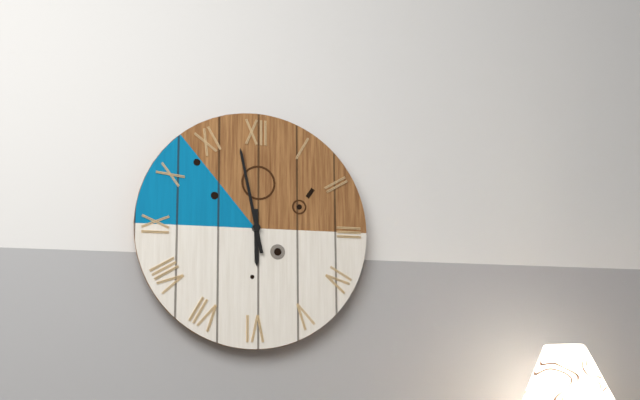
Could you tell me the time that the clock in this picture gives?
5:58
